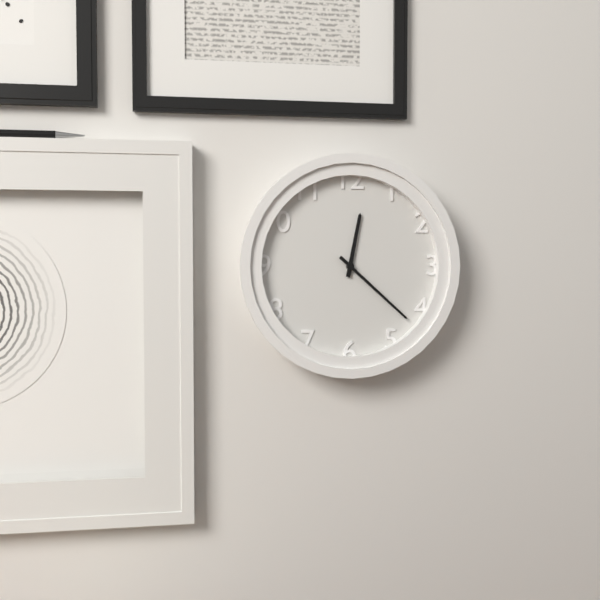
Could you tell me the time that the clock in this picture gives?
12:22
